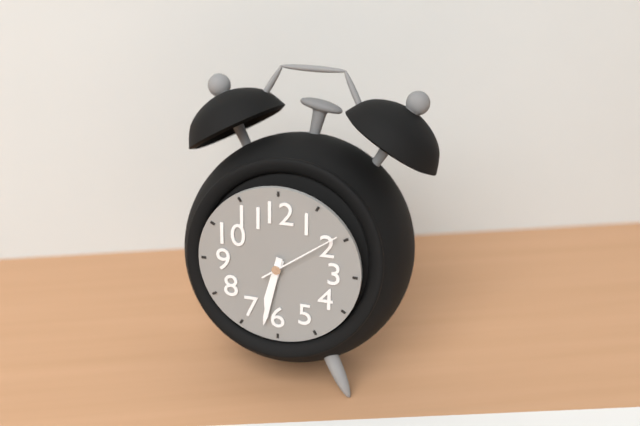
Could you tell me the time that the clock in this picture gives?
6:32:09
